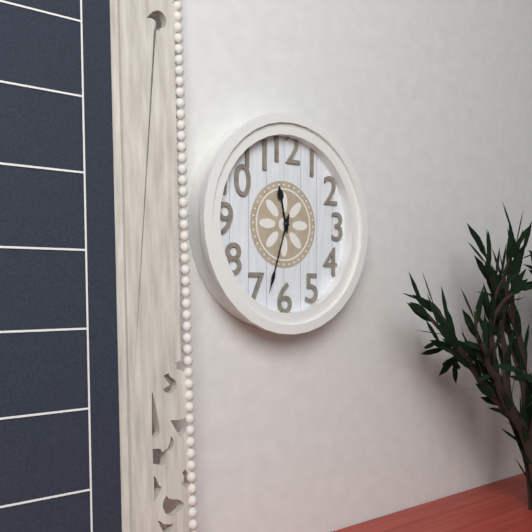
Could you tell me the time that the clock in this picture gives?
11:33
